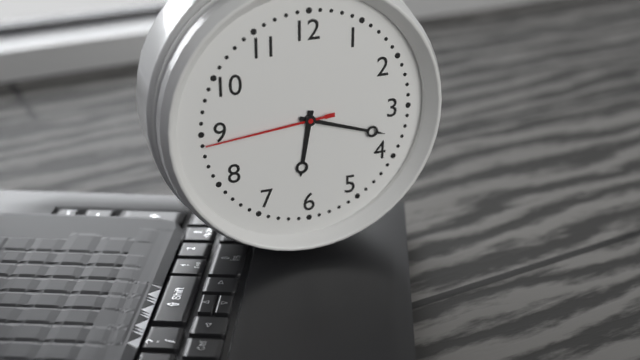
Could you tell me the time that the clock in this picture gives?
6:18:44
